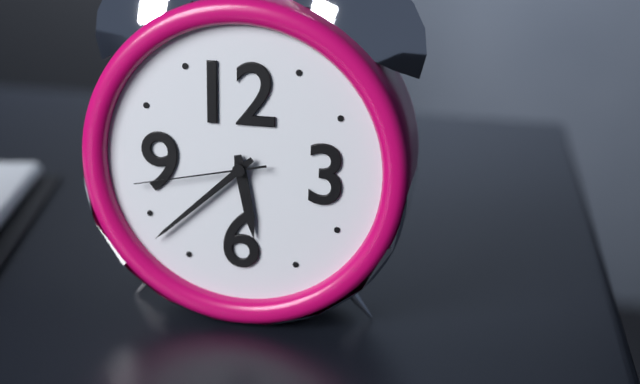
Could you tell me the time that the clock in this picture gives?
5:38:43
